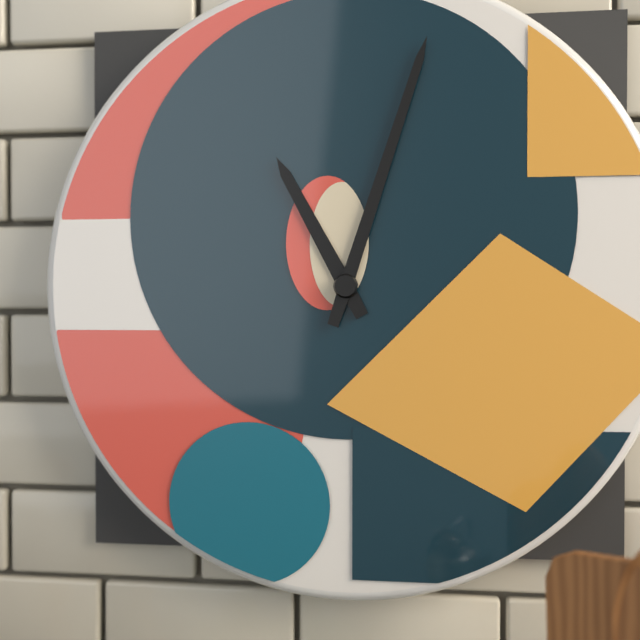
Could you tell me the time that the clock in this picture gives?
11:03
